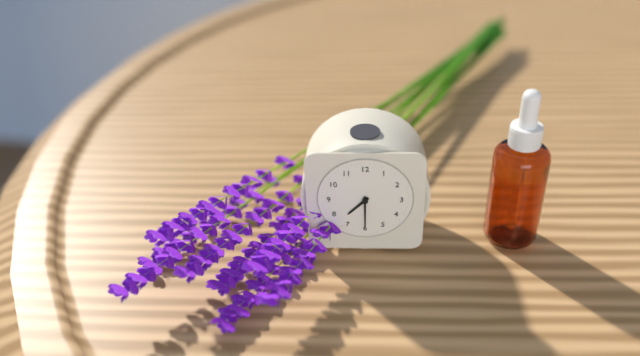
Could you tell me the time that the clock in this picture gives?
7:30
